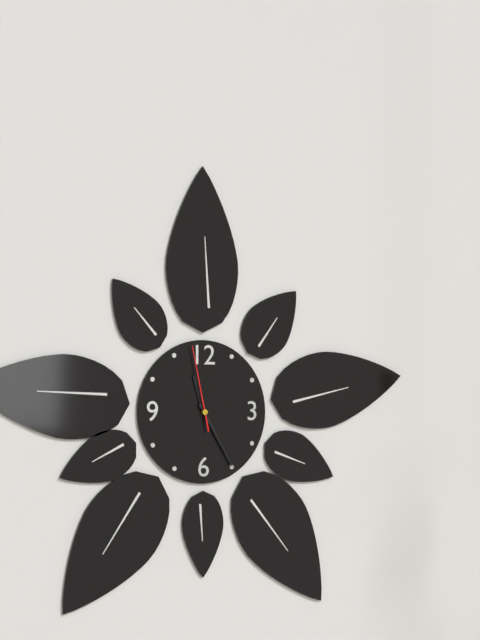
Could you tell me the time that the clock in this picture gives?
11:25:58
